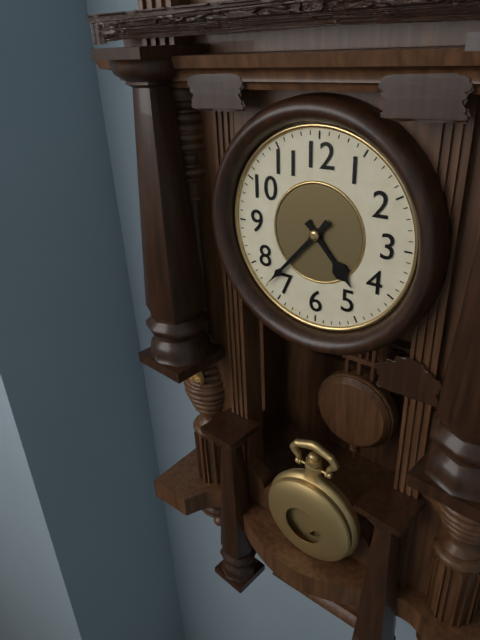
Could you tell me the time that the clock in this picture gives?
4:37
